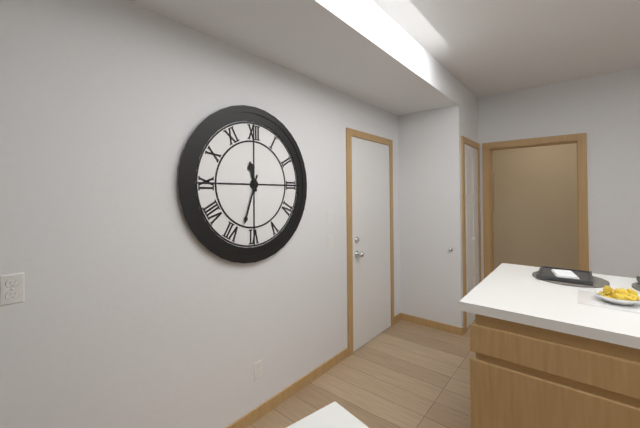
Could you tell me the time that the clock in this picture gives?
11:33
